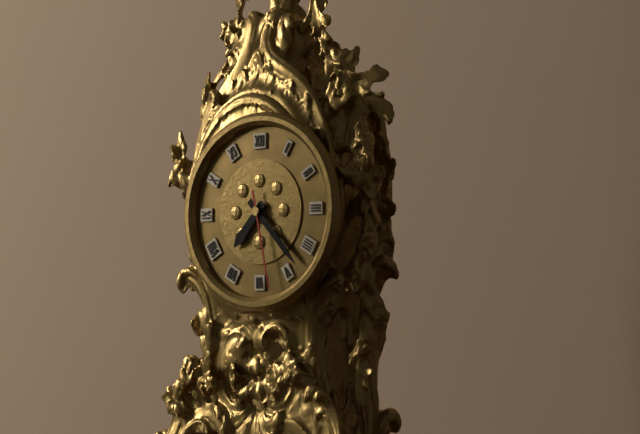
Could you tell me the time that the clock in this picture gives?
7:23:28
